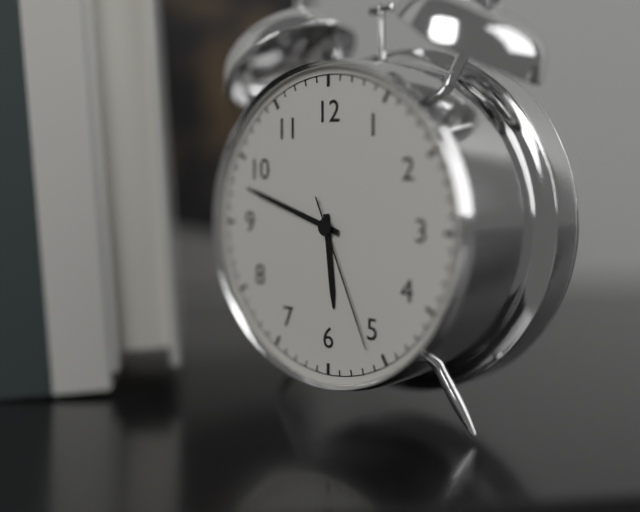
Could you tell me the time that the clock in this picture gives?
5:48:26
